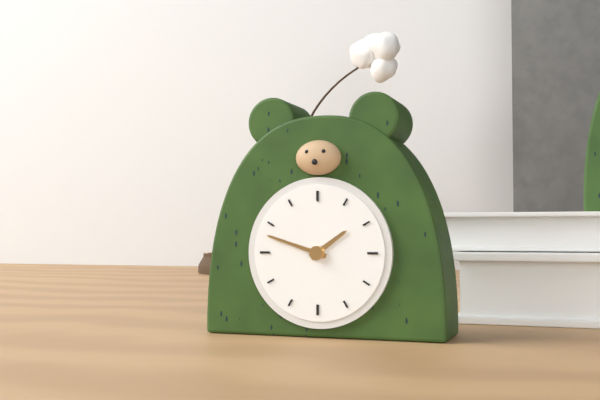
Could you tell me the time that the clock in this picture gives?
1:48
